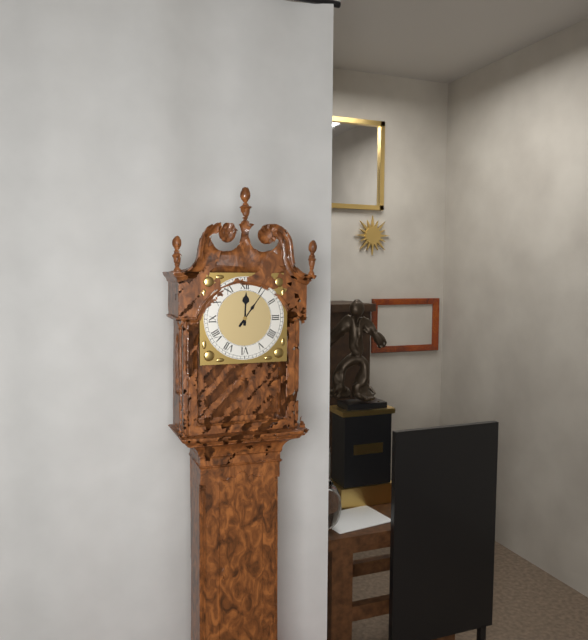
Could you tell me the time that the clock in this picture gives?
12:06
